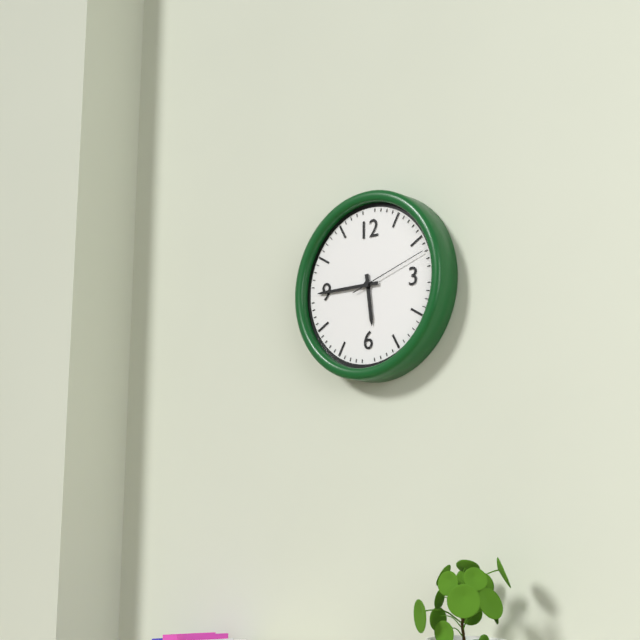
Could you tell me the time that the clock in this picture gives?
5:45:12
